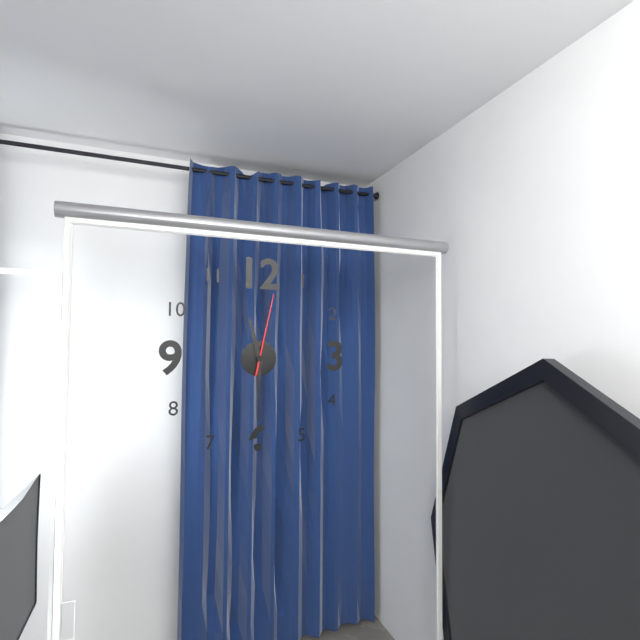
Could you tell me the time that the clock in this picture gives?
11:30:02
